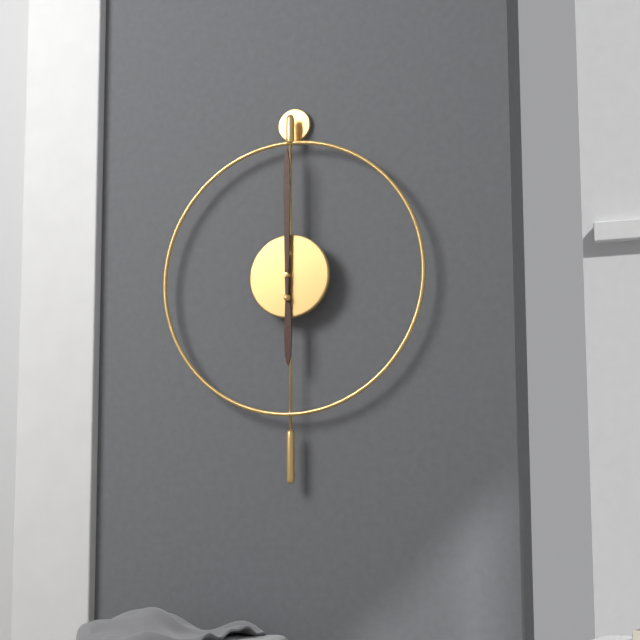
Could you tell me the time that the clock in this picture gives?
6:00
